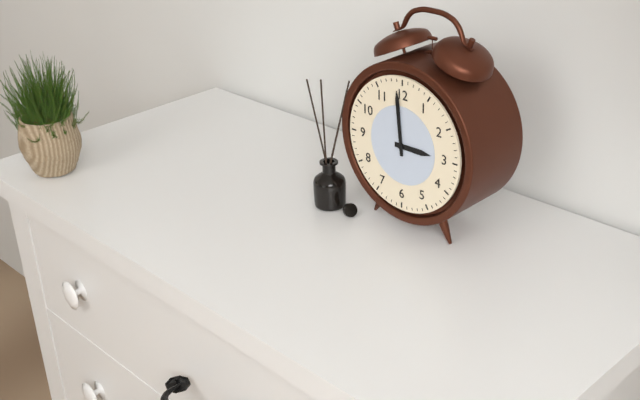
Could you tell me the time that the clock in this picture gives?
2:59
